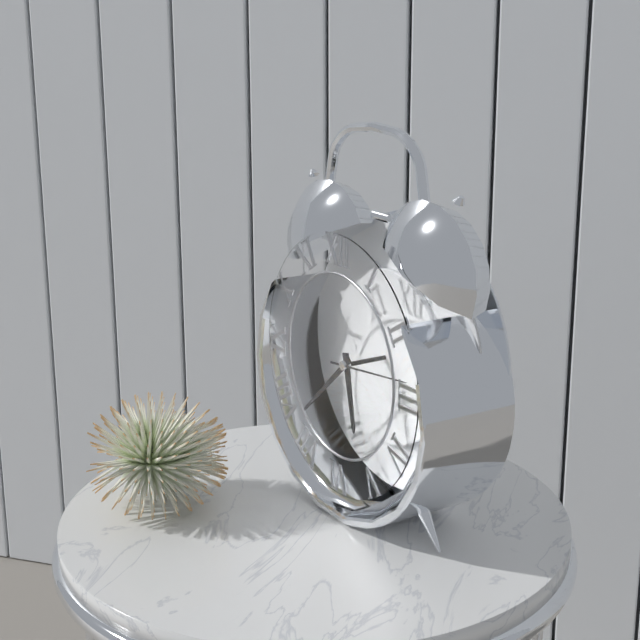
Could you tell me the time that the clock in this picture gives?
5:38:14
